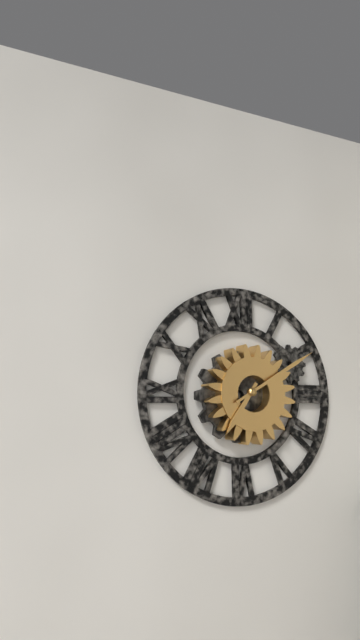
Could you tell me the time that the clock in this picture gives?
7:10
